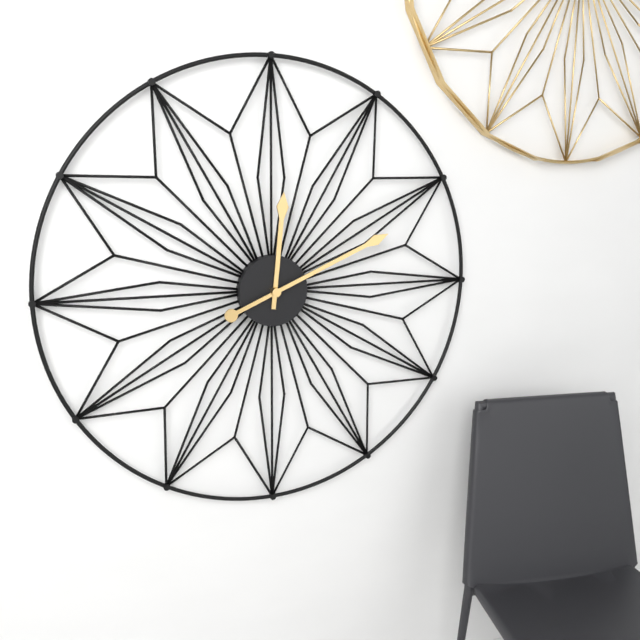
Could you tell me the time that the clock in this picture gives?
12:11
